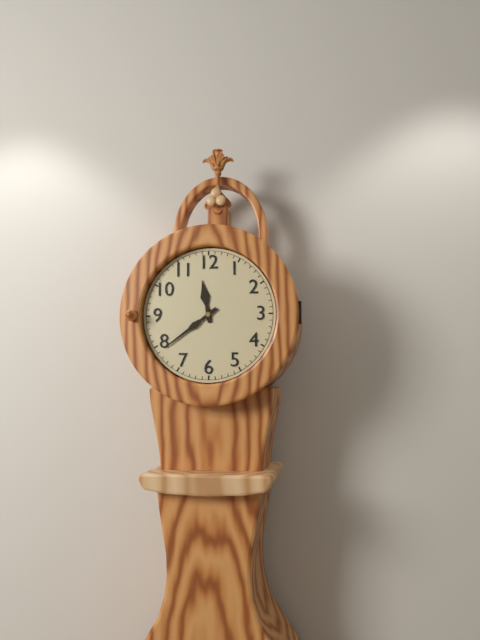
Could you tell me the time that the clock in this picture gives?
11:39
